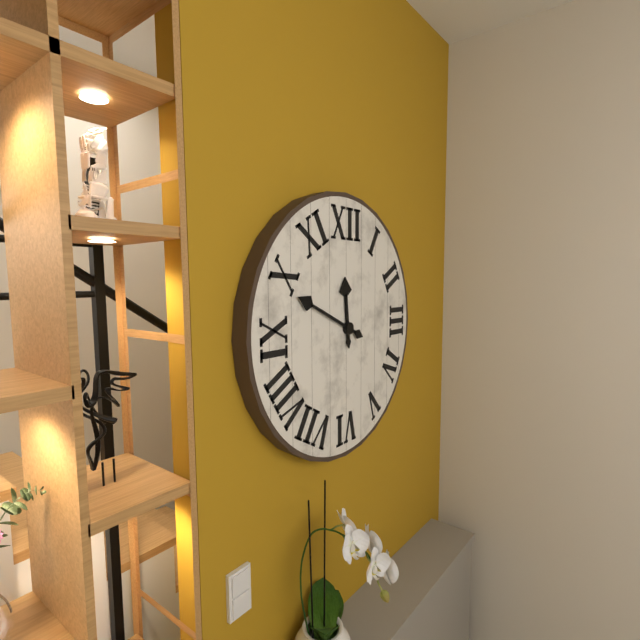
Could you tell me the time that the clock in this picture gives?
11:49
